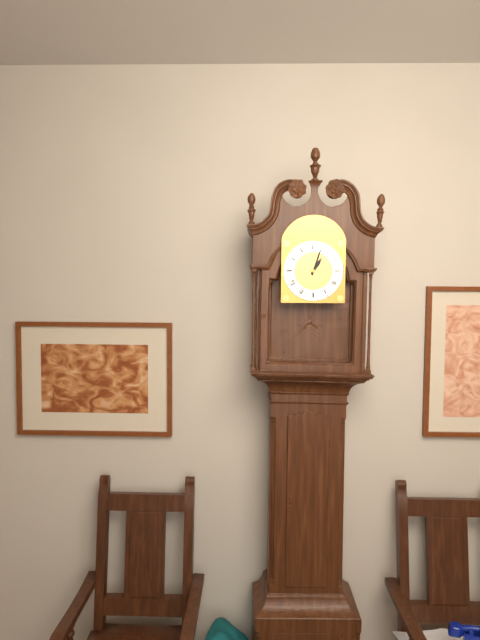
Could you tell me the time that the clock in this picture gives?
1:03
